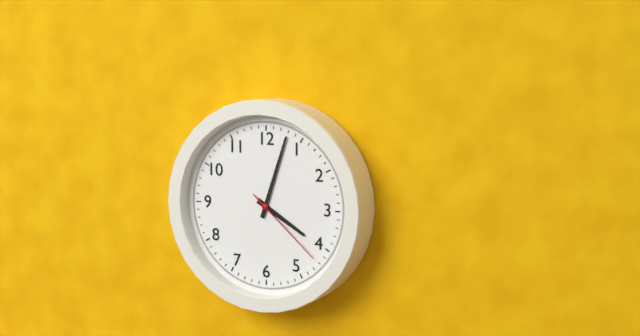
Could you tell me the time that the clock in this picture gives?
4:03:22
